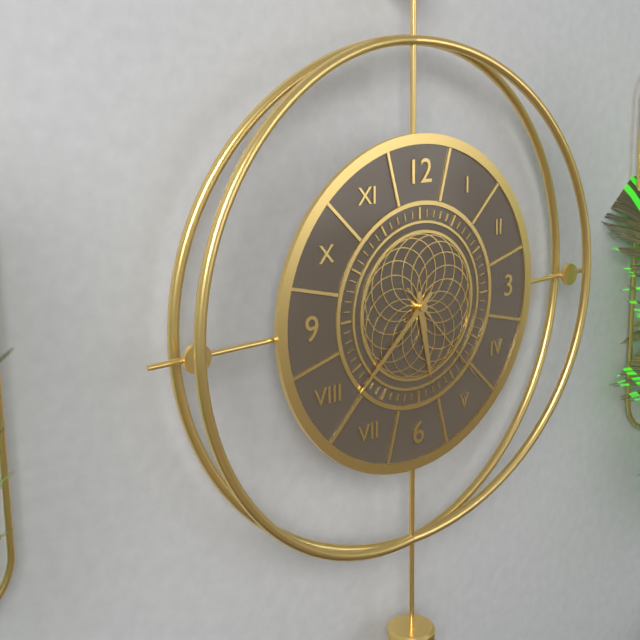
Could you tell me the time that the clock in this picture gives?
5:38:23
